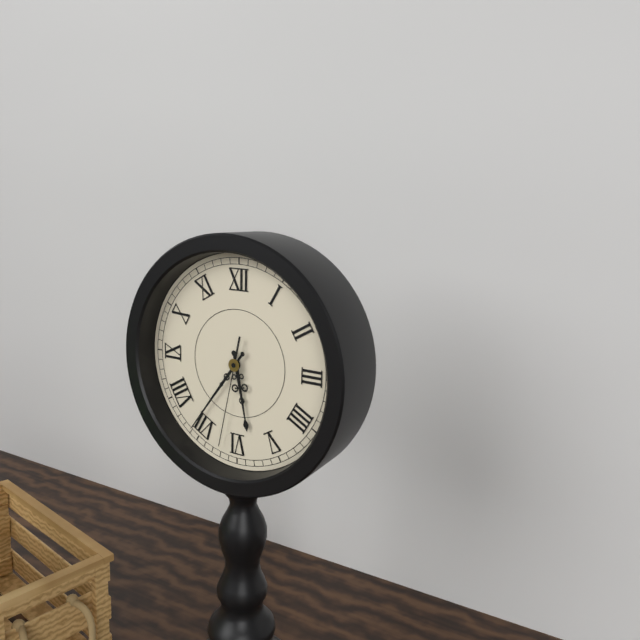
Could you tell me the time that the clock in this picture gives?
5:36:32
